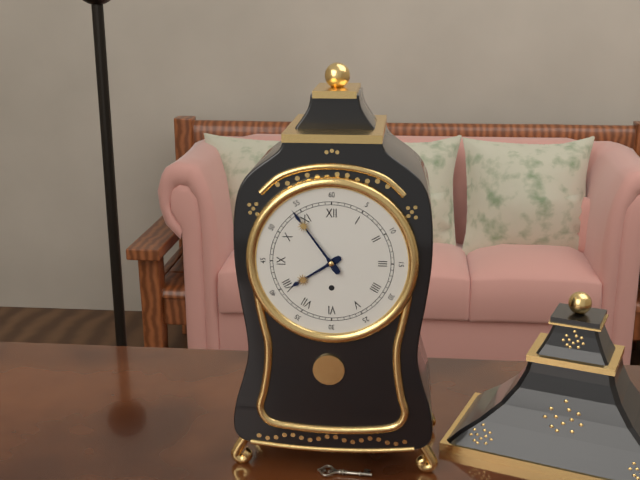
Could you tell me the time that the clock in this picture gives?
7:54
